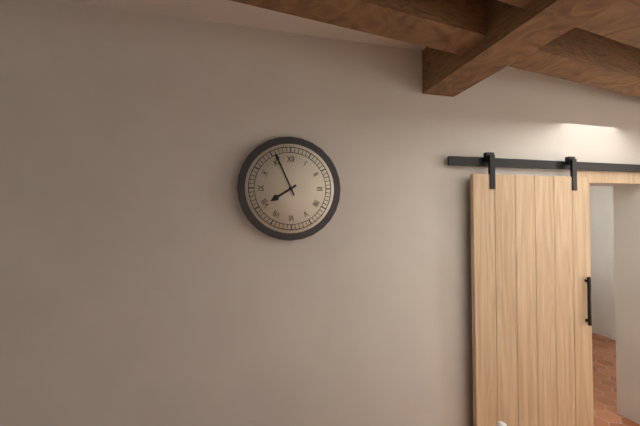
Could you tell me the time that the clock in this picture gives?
7:56
